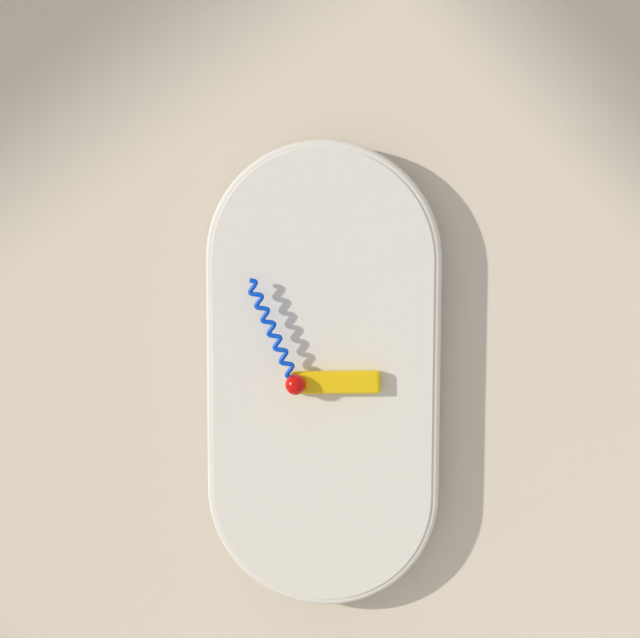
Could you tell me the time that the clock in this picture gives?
2:56
